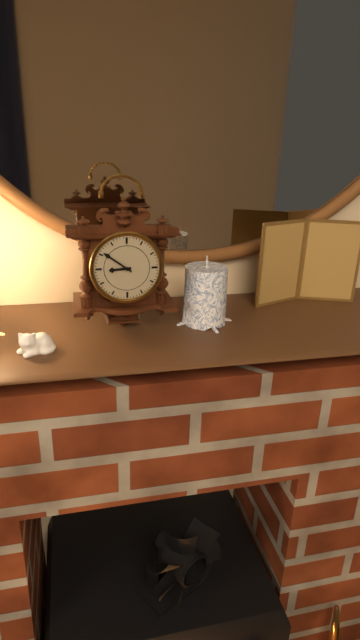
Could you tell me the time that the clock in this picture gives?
8:51
